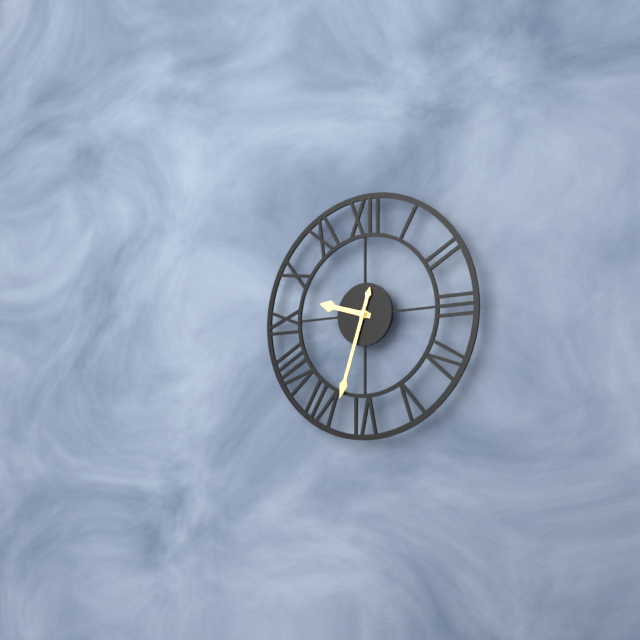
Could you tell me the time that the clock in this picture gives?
9:33
